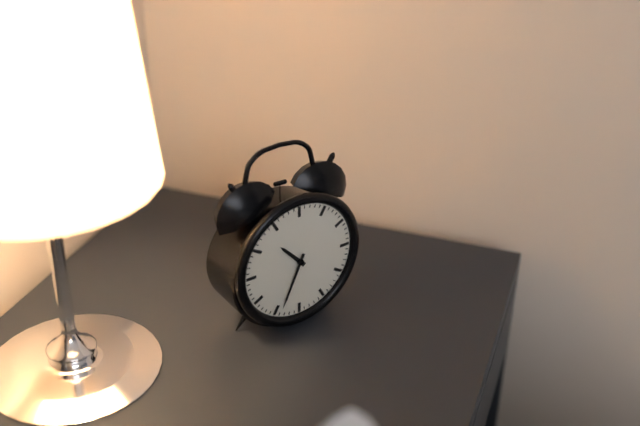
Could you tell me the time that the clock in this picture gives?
10:34
